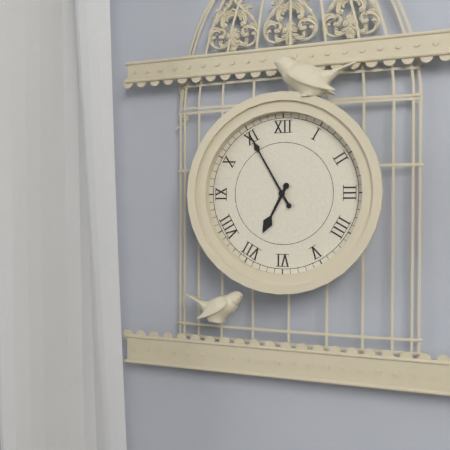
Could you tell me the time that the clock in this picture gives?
6:55
